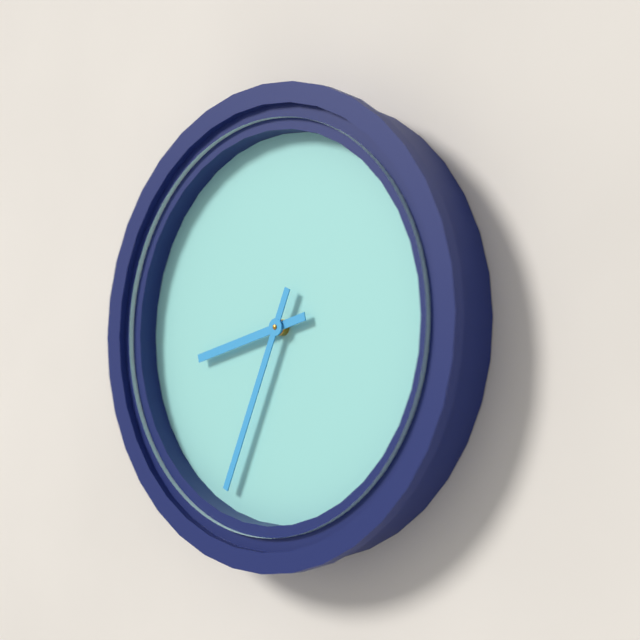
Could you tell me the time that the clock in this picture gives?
8:34
